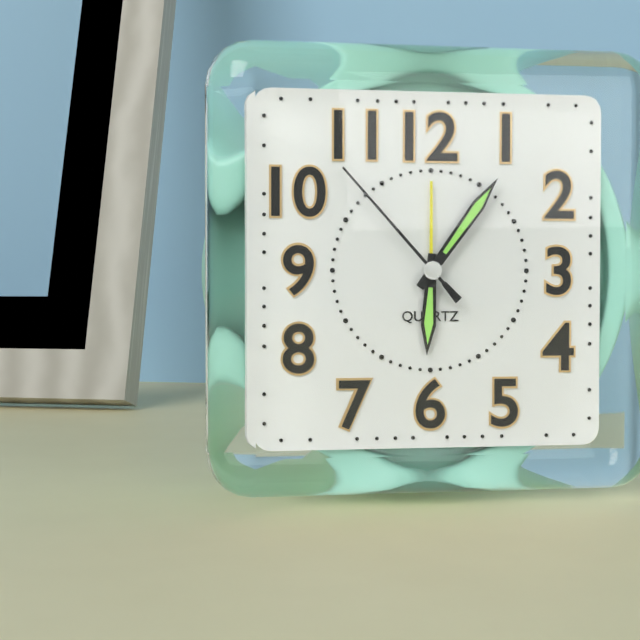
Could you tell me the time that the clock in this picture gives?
6:06:53
